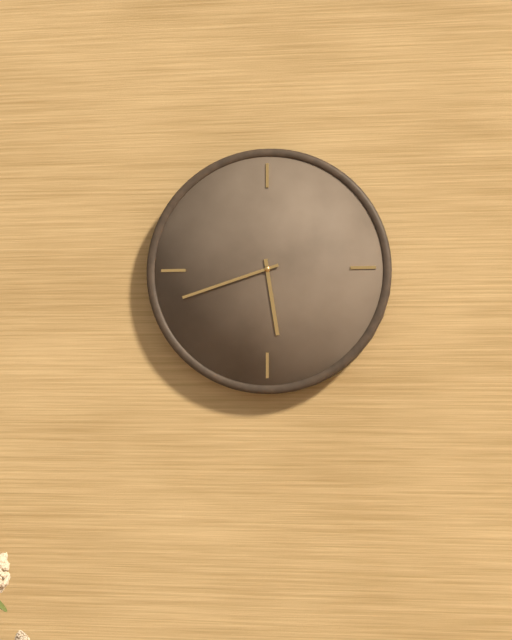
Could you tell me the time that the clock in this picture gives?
5:42
